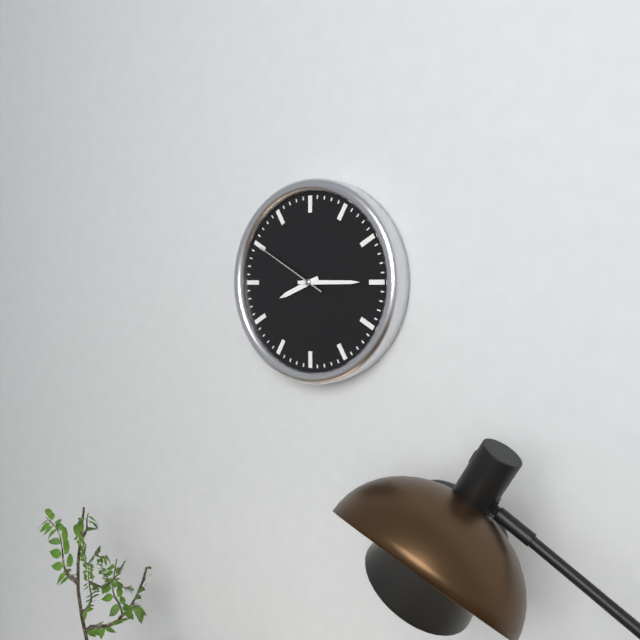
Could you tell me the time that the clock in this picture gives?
8:15:50
